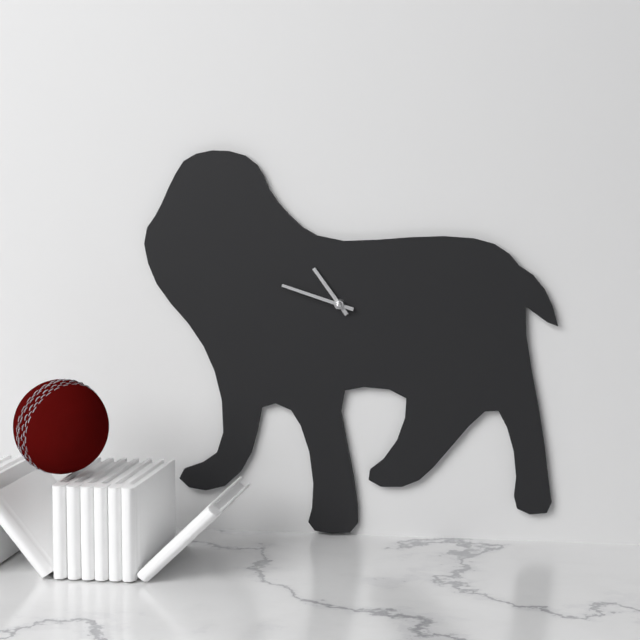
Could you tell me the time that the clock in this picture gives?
10:48
